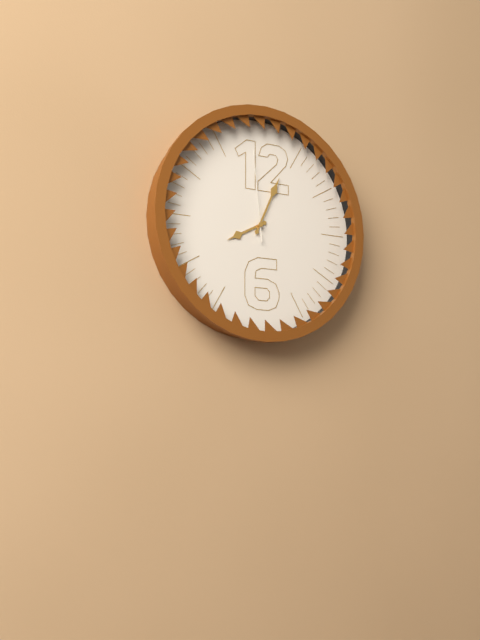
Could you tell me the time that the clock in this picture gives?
8:04:59
